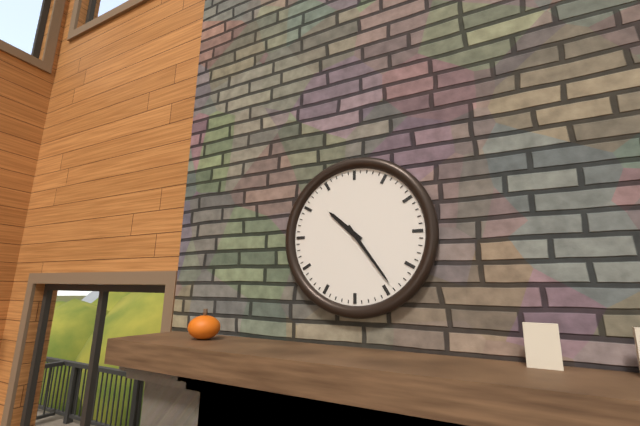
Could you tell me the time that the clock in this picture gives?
10:24
